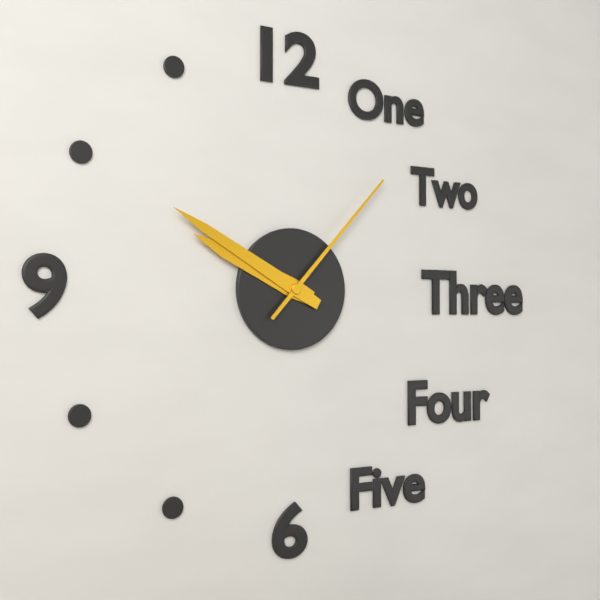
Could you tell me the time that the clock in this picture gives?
9:50:07
